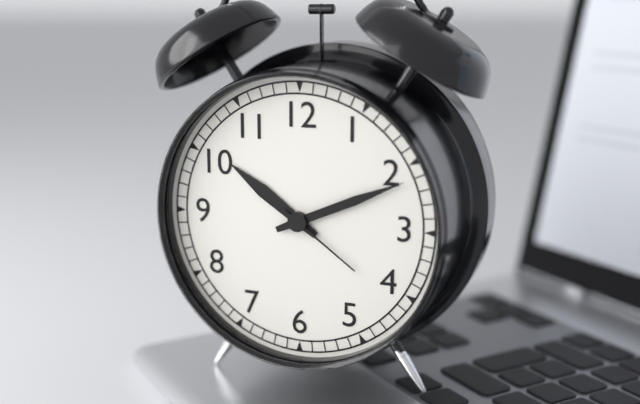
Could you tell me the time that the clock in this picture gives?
10:11:21
